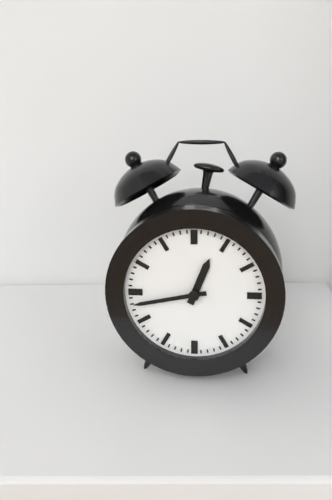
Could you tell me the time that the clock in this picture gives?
12:43
